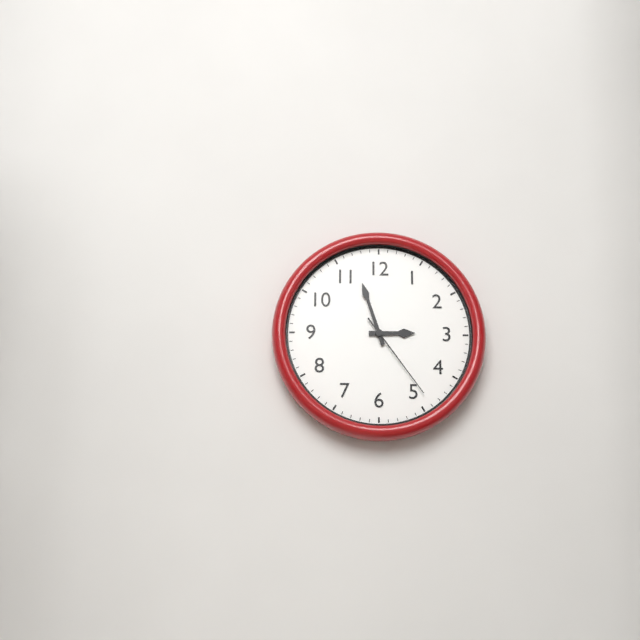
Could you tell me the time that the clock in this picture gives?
2:57:24
